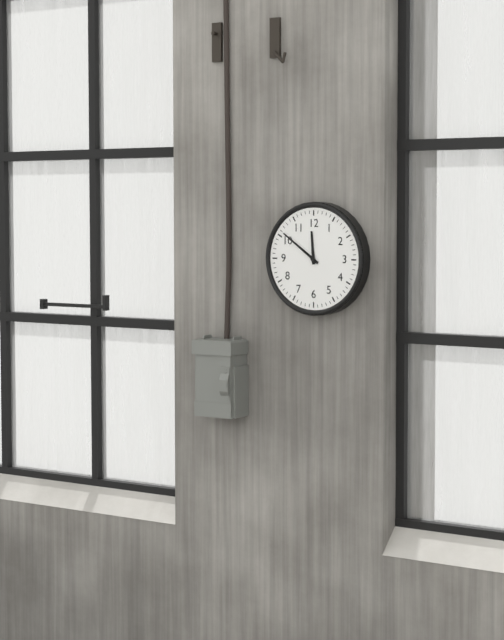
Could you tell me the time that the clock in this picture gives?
11:51
